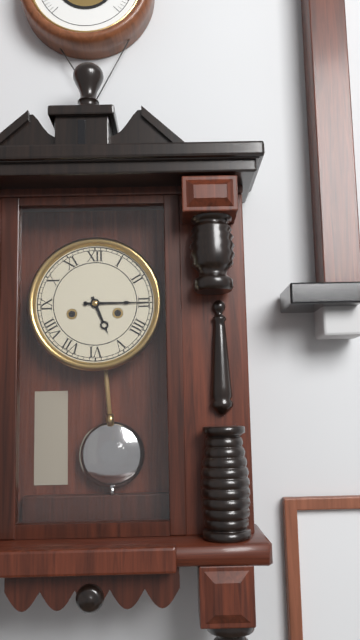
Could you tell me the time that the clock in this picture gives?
5:15
